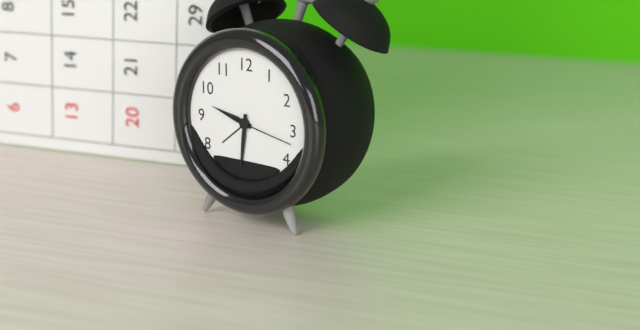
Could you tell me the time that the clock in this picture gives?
9:31:17
